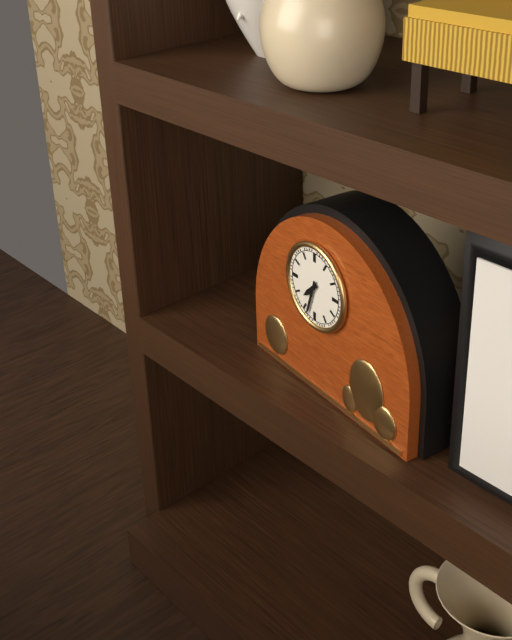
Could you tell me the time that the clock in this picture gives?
7:33
